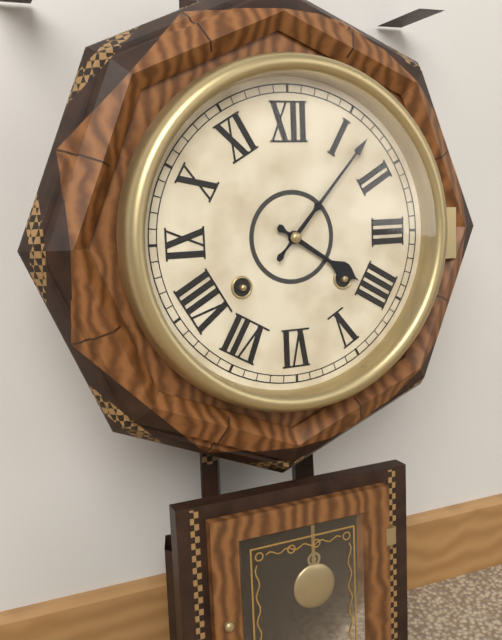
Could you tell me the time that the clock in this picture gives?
4:07
